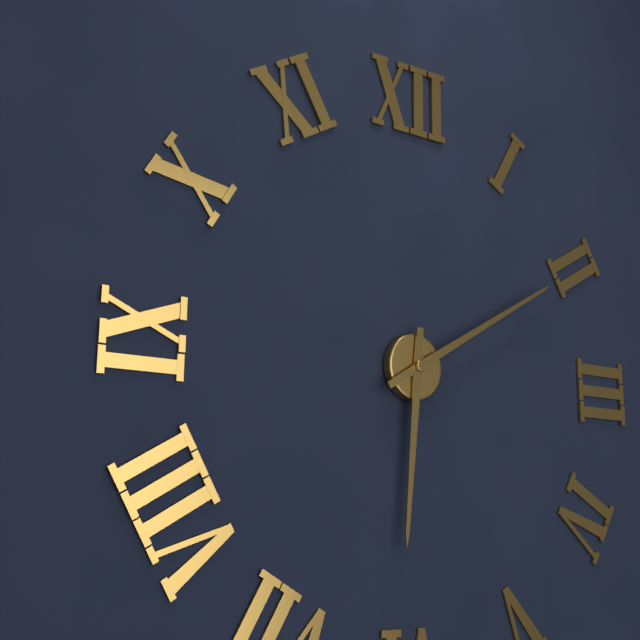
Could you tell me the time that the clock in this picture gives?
6:10
